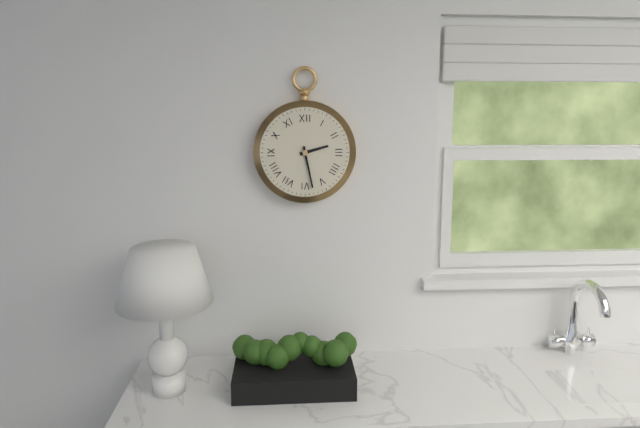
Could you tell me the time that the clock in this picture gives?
2:28
